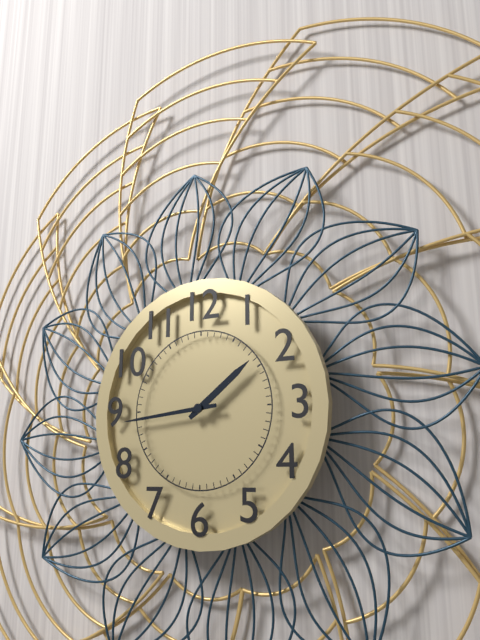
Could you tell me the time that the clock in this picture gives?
1:44
